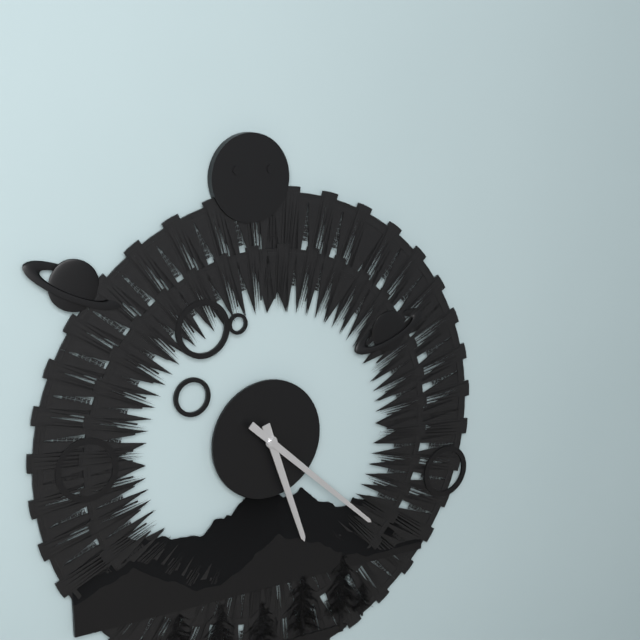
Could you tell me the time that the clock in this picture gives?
5:22
